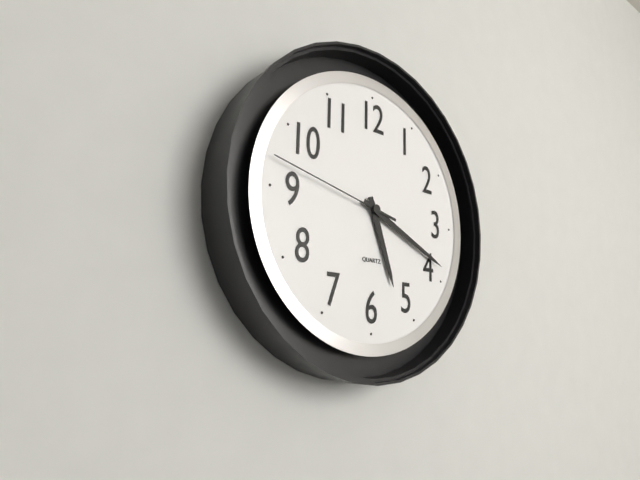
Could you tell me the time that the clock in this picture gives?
5:19:47
